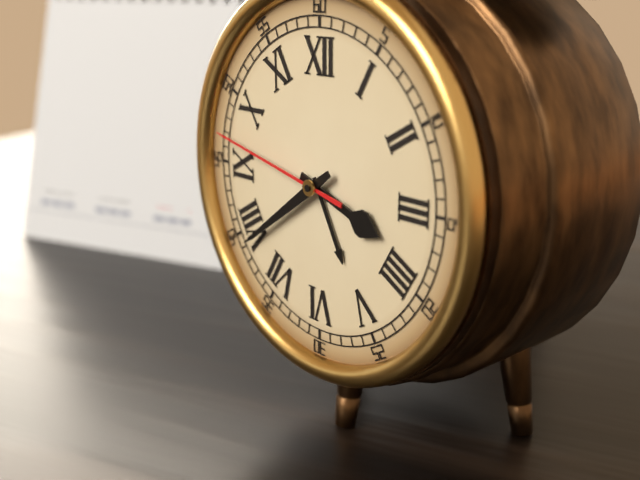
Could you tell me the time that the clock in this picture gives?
3:39:47
